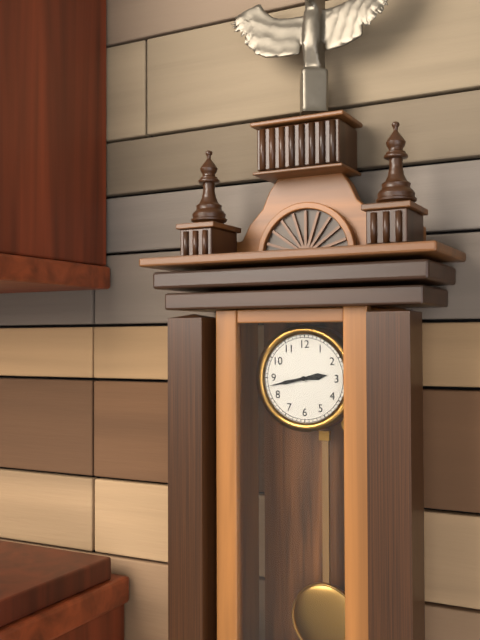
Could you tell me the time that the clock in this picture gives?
2:43
